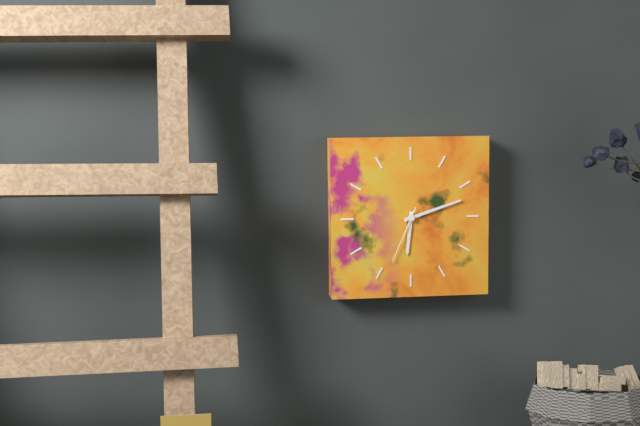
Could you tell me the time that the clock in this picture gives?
6:12:34
